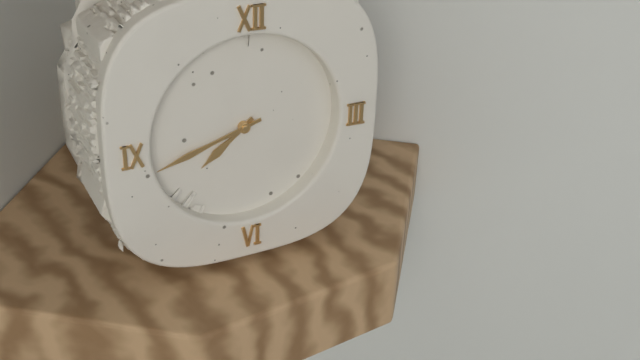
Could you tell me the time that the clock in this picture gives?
7:42
